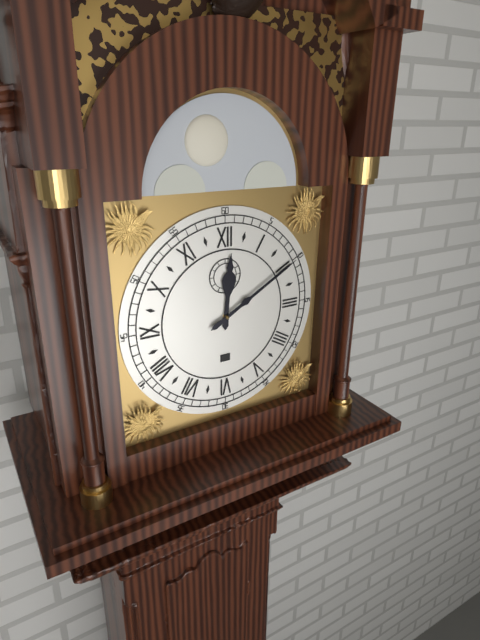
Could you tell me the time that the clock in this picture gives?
12:10
